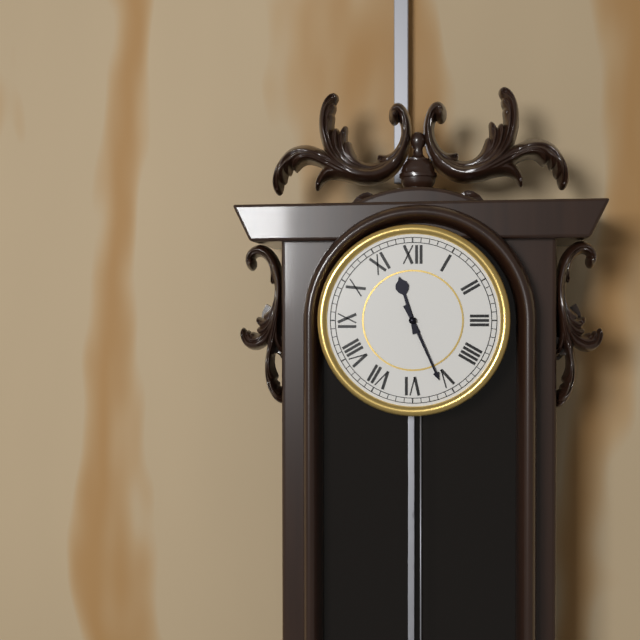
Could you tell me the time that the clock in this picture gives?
11:26
